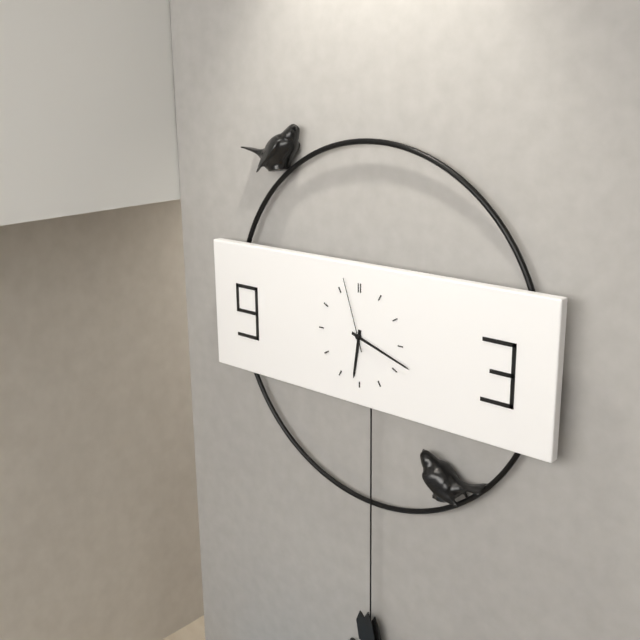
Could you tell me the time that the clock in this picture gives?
6:18:57
